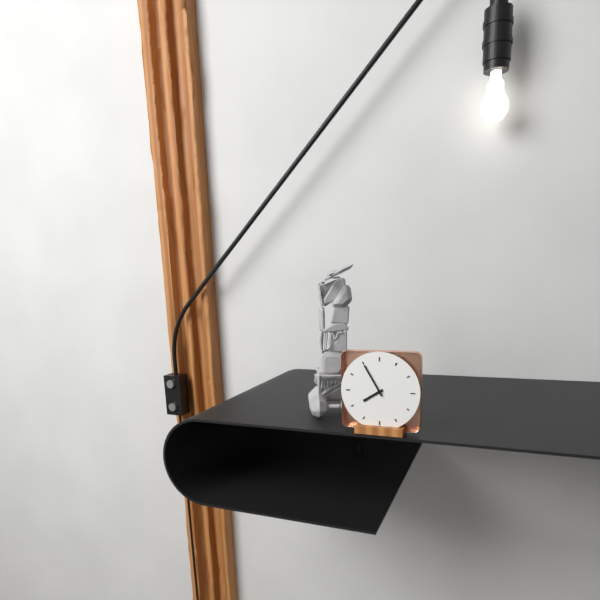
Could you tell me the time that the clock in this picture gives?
7:55
